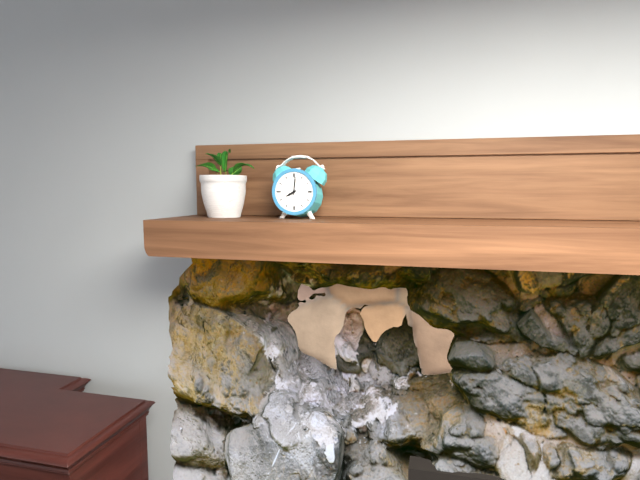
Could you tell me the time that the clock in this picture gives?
8:01
